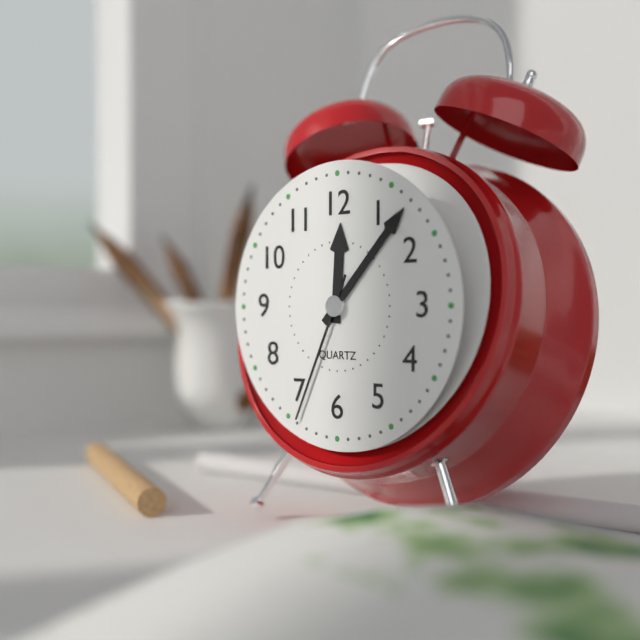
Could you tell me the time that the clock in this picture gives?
12:07:34
